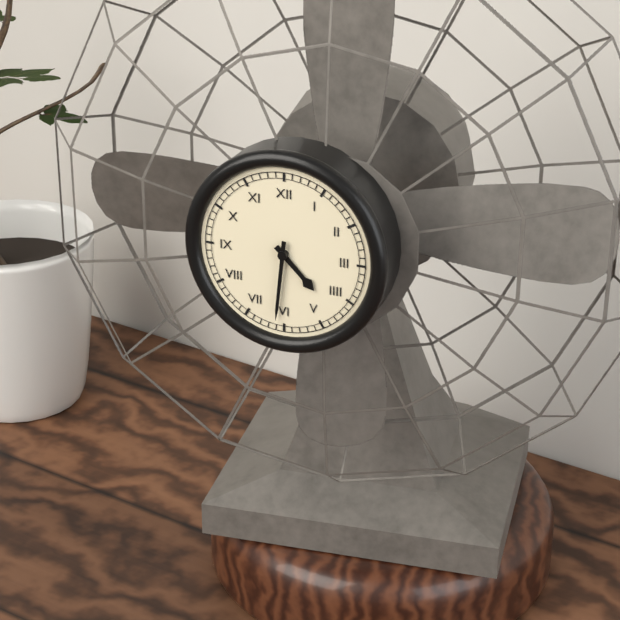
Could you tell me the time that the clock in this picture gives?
4:31
